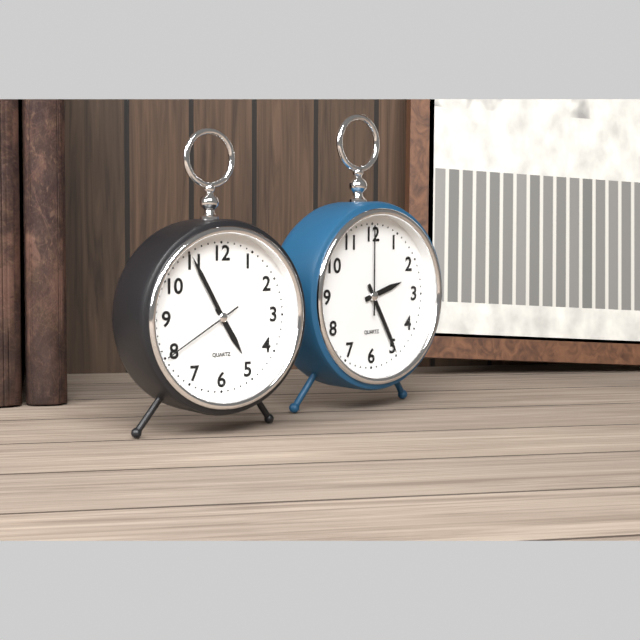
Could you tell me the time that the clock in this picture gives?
4:55:40
